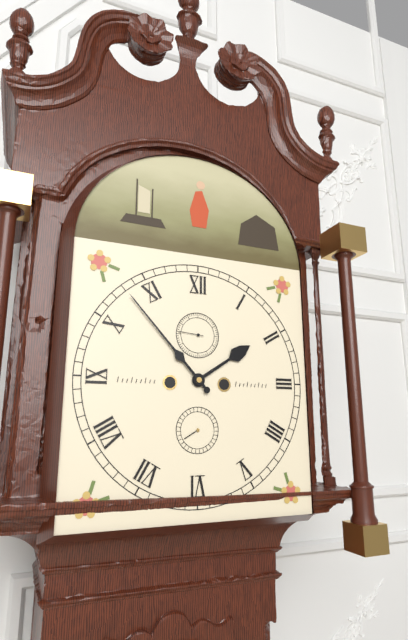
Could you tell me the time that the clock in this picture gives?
1:53
